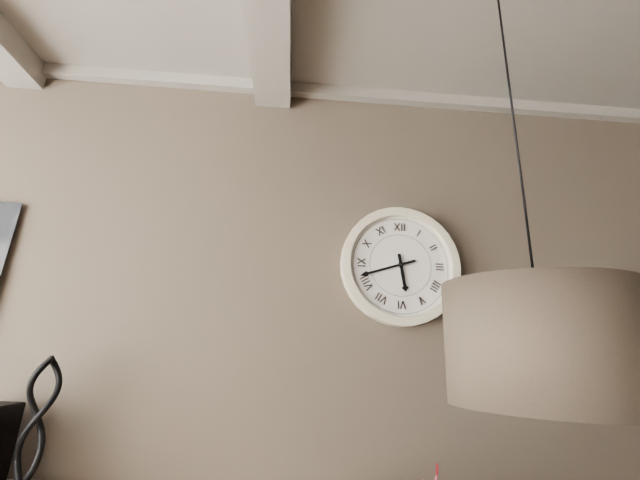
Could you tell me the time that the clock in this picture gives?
5:42
